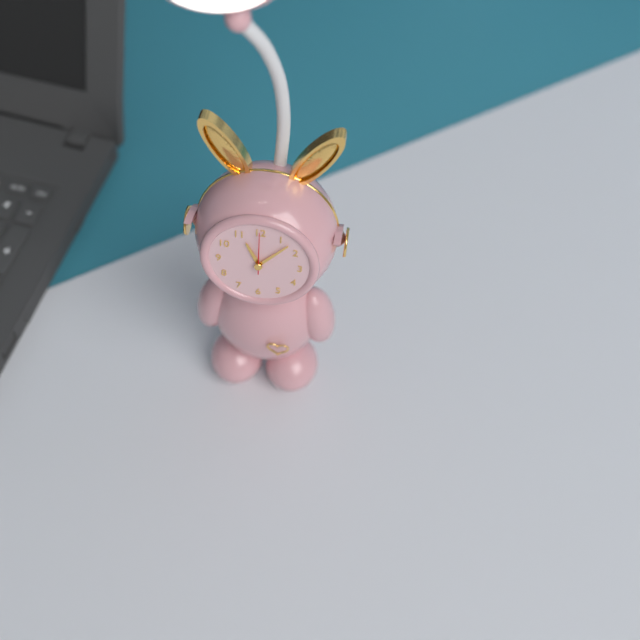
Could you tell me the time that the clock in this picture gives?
11:07
